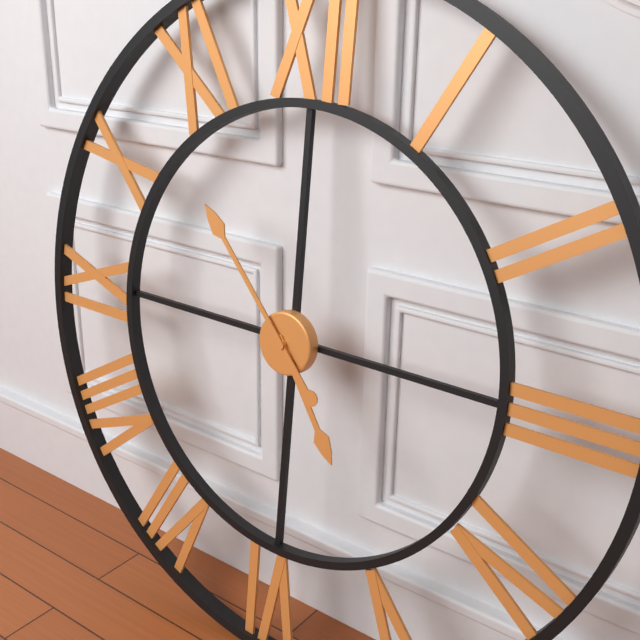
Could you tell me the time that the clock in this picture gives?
4:53
